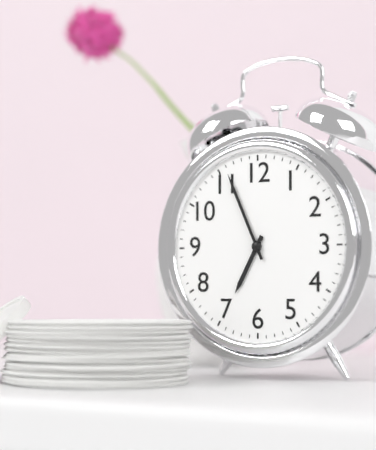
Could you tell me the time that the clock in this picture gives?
6:56
